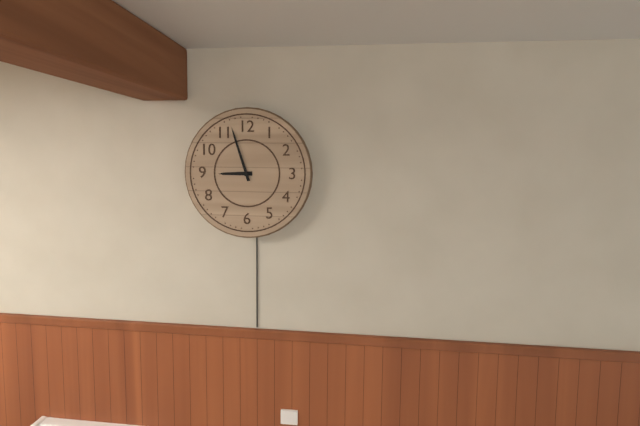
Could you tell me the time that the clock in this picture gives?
8:57
